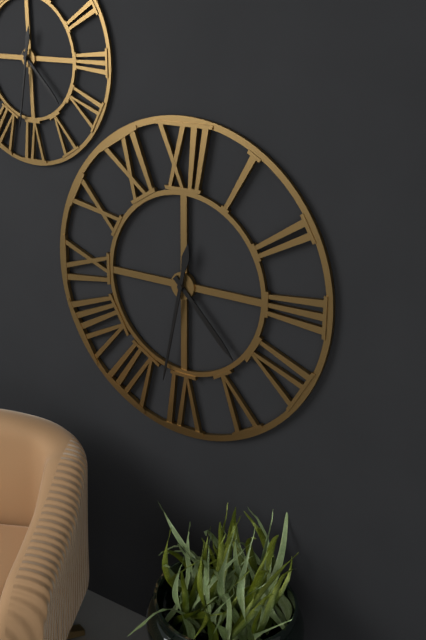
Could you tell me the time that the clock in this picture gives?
4:32
